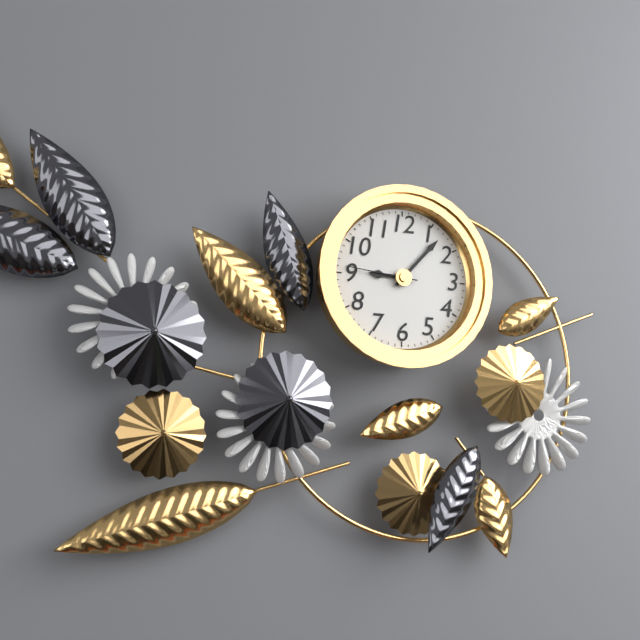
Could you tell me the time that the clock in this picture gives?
9:07:46
